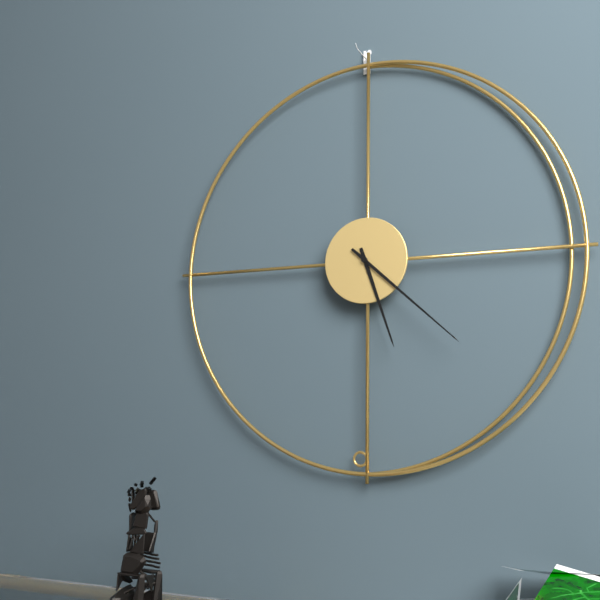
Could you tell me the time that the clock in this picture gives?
5:22
